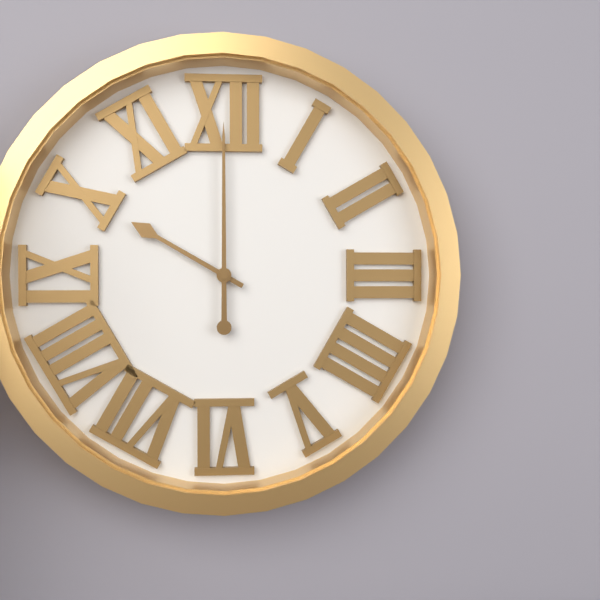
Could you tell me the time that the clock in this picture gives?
10:00
